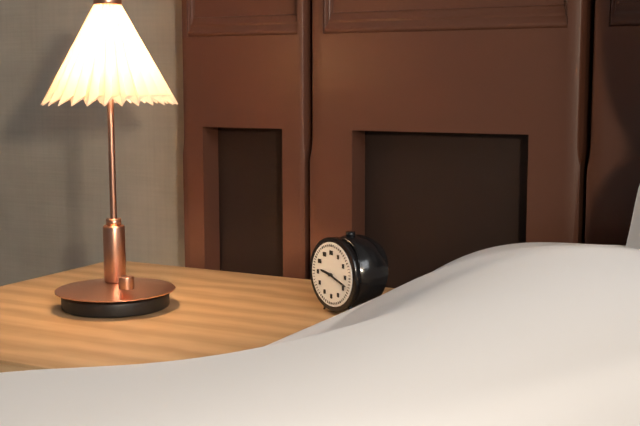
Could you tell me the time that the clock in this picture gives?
9:18
